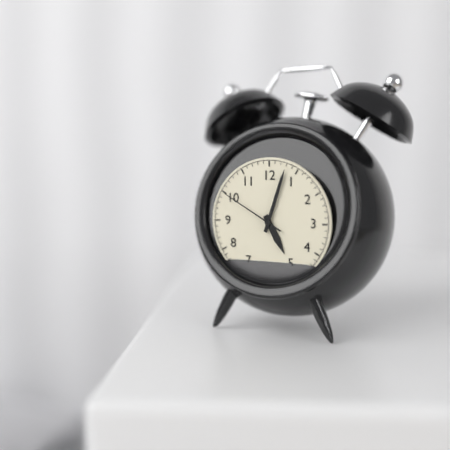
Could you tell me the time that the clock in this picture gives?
5:03:50
